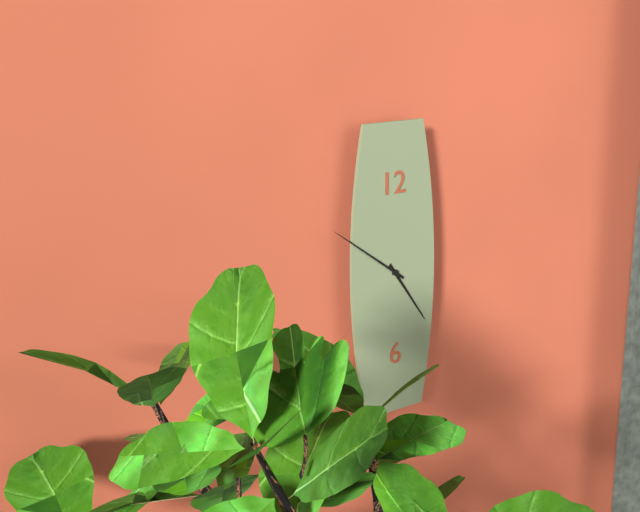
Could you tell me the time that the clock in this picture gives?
4:51
